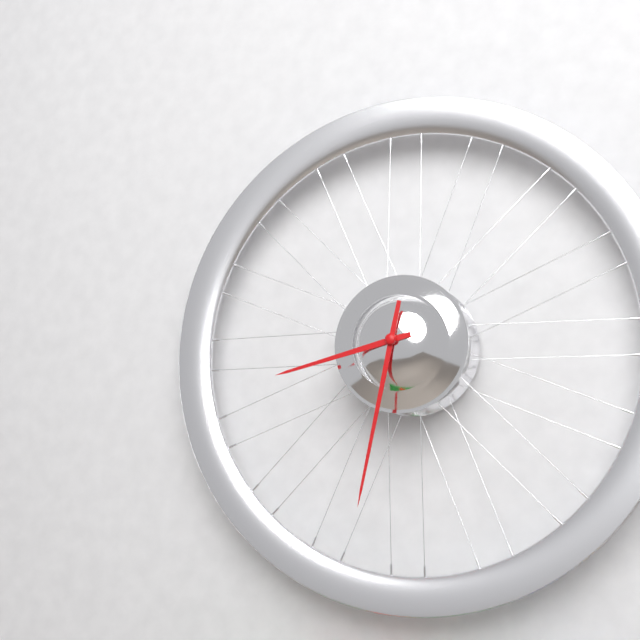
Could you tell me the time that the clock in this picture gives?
8:32
